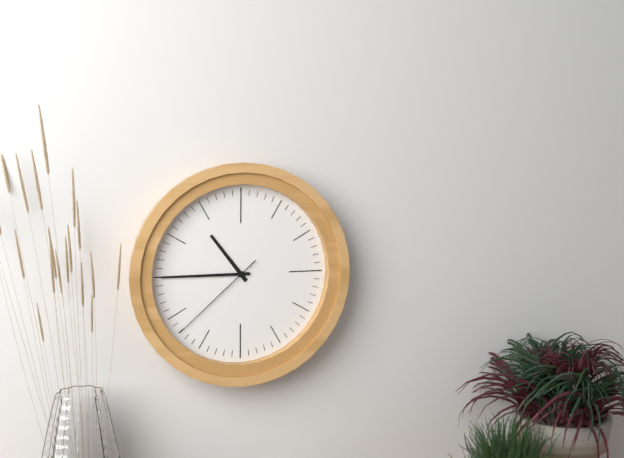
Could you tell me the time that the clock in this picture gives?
10:45:38
